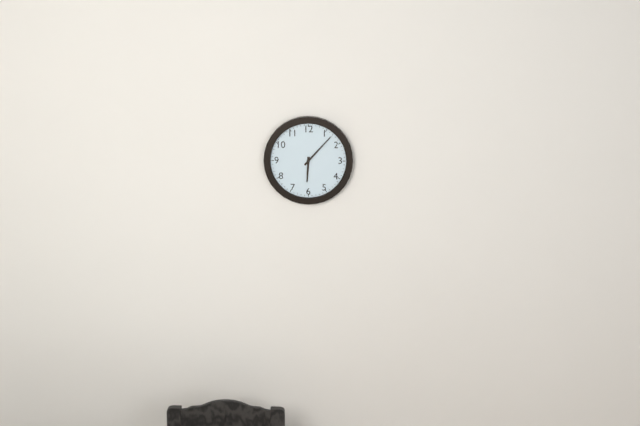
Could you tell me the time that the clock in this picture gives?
6:07
